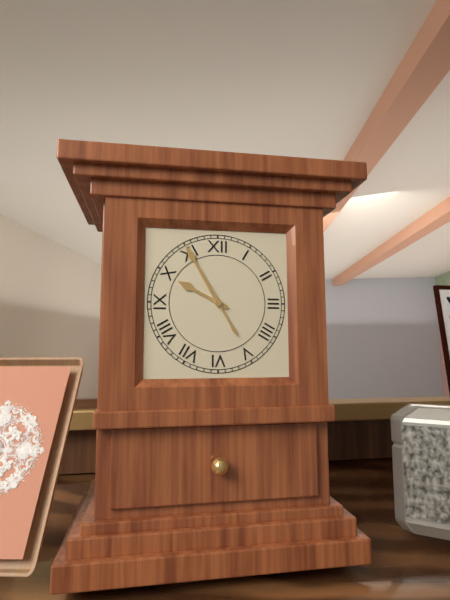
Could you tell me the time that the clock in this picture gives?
9:55
